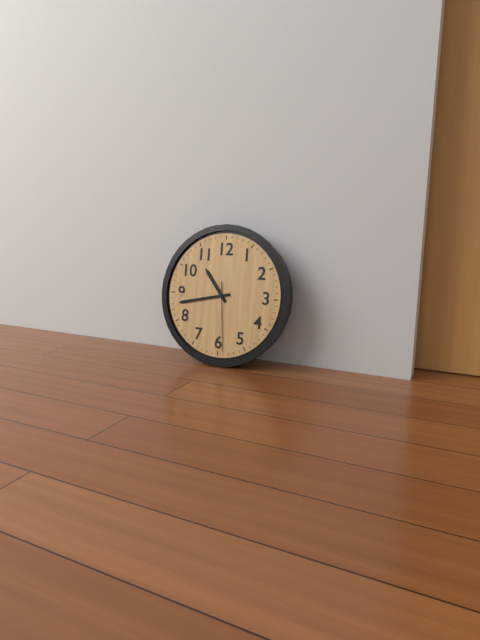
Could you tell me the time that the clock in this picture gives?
10:43:29
